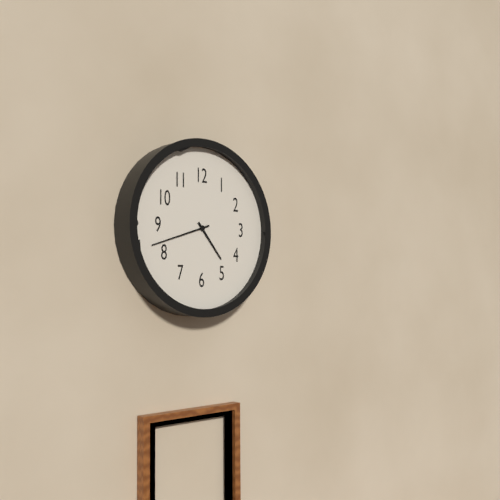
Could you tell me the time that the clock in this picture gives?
4:42
